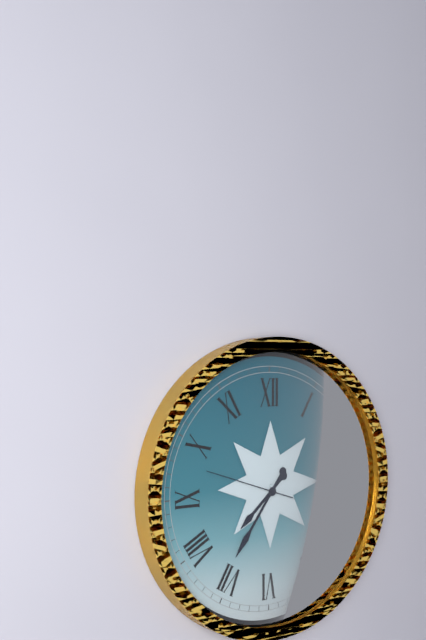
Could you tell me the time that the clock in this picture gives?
7:36:48
